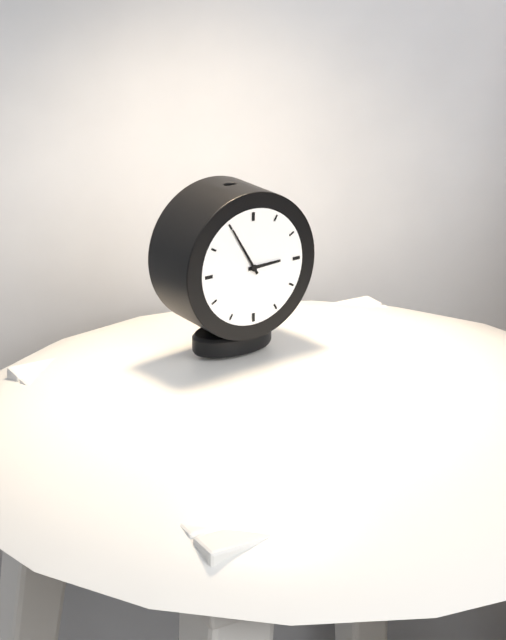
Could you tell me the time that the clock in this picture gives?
2:55
